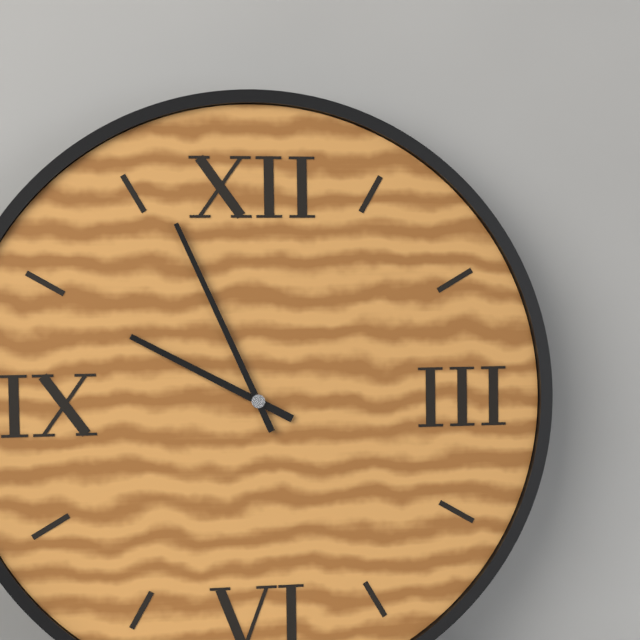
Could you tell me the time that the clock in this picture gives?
9:56
